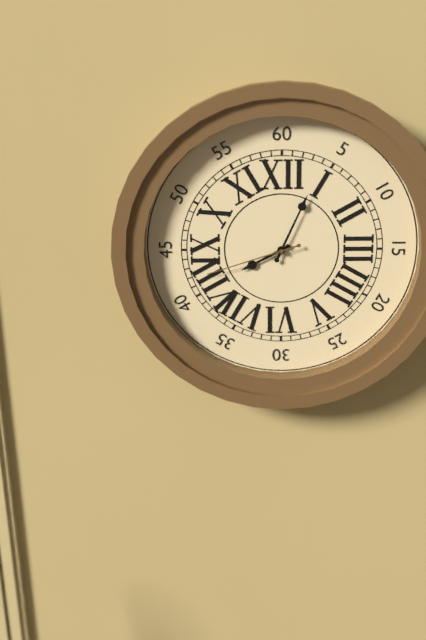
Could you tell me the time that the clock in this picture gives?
8:04:42
